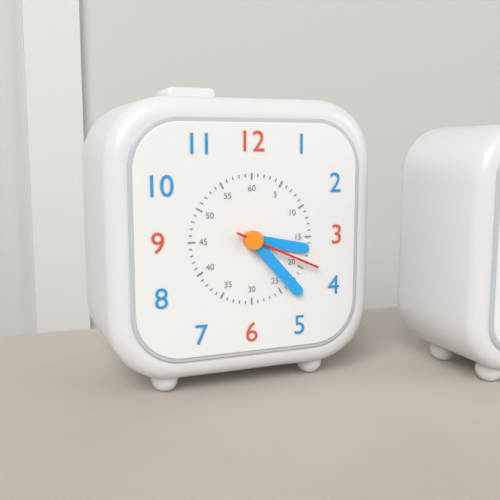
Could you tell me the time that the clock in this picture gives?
3:23:19
